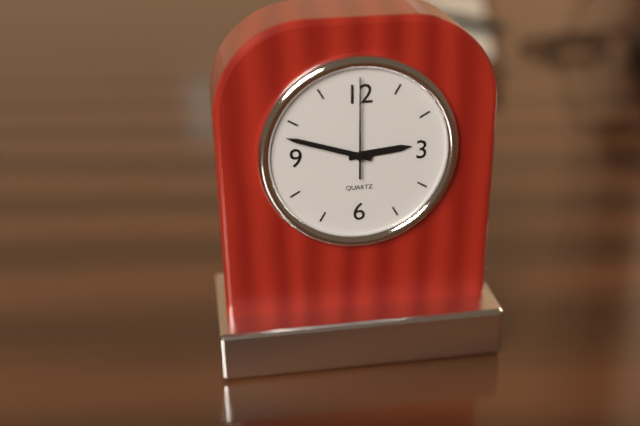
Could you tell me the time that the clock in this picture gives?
2:48:00
